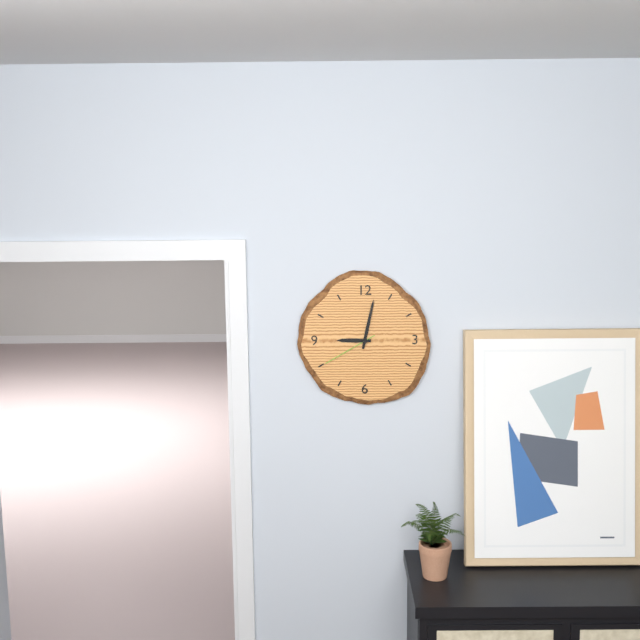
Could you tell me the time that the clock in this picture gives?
9:02:40
